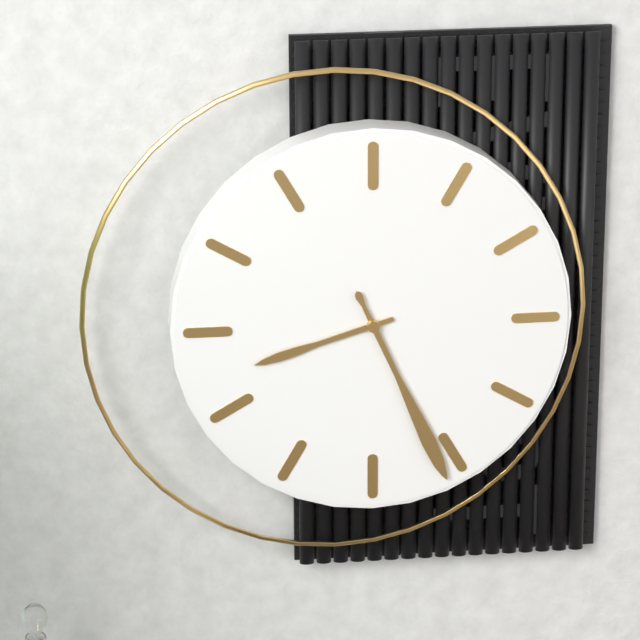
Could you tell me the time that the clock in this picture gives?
8:26
